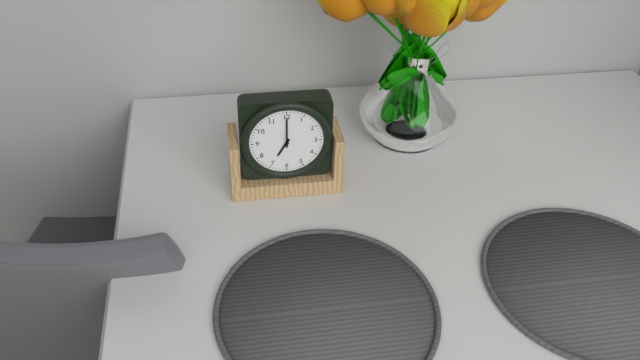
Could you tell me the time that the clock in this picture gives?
7:00
